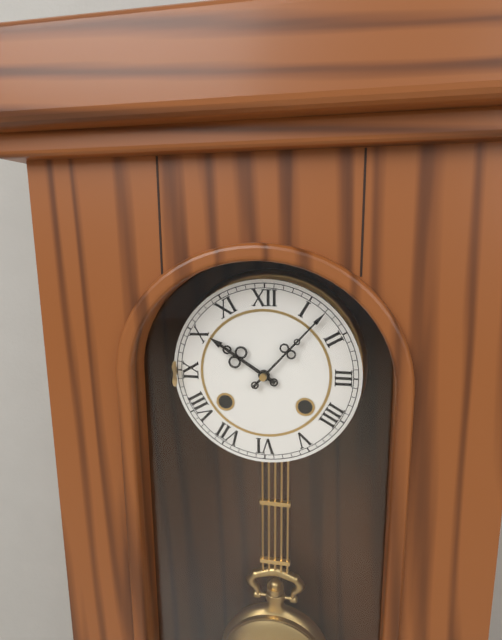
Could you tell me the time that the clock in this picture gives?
10:07
